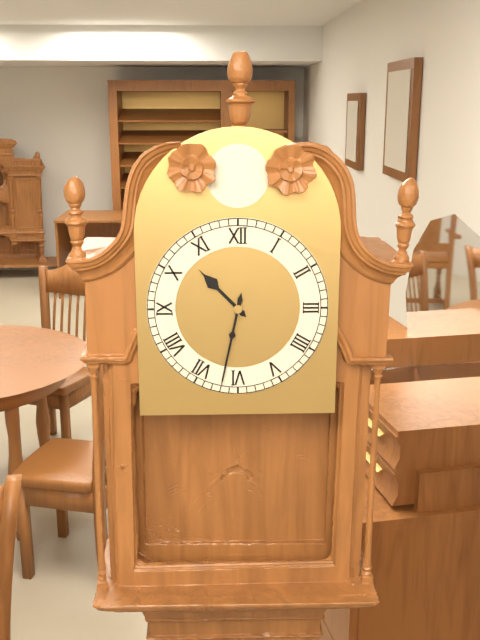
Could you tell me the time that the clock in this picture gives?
10:32
